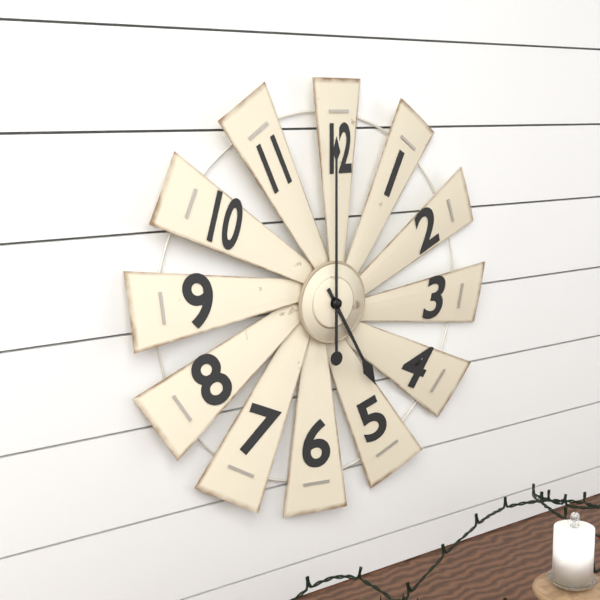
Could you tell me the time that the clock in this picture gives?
5:00
